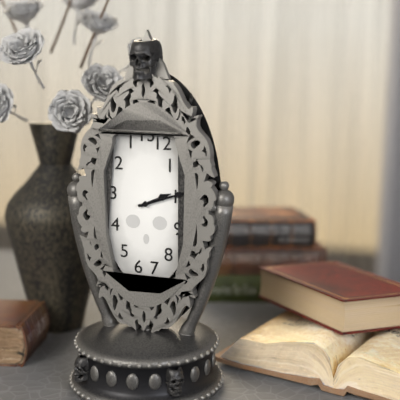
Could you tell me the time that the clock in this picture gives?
2:12
